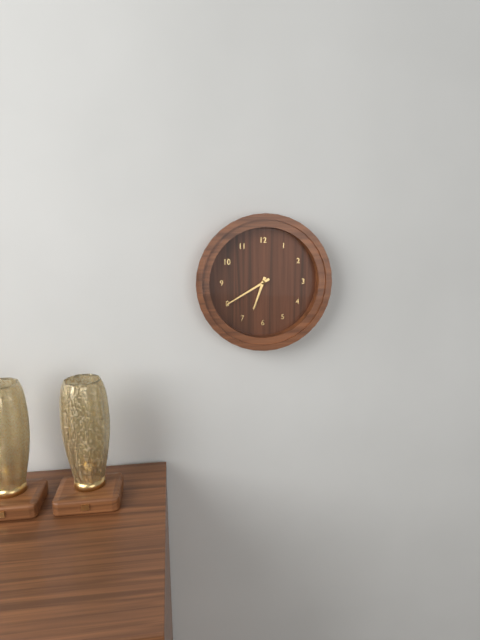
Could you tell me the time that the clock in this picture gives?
6:40
